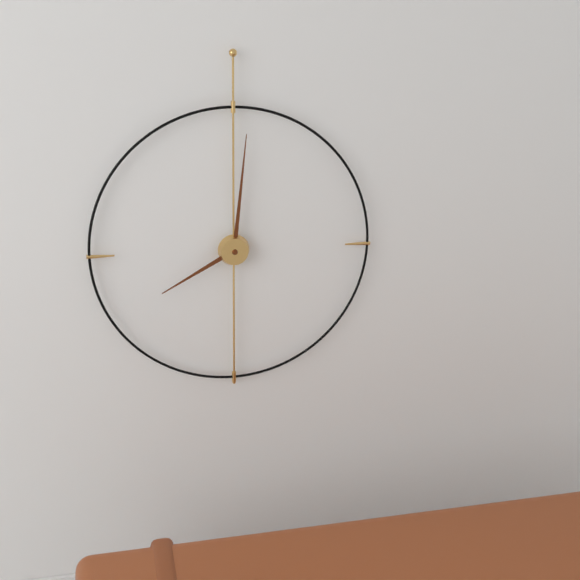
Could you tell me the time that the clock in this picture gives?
8:01
